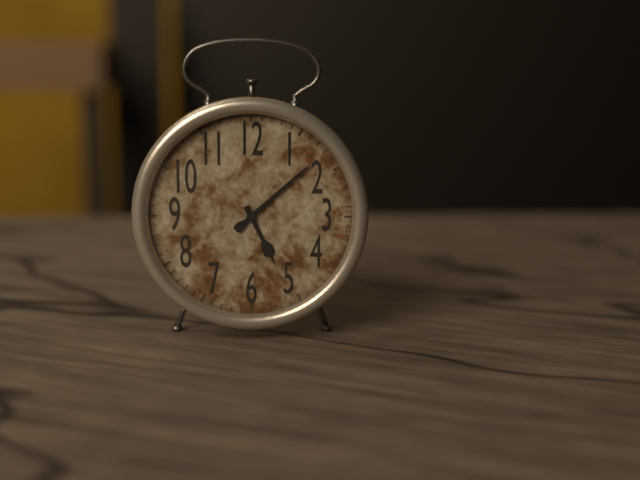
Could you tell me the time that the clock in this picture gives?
5:08
